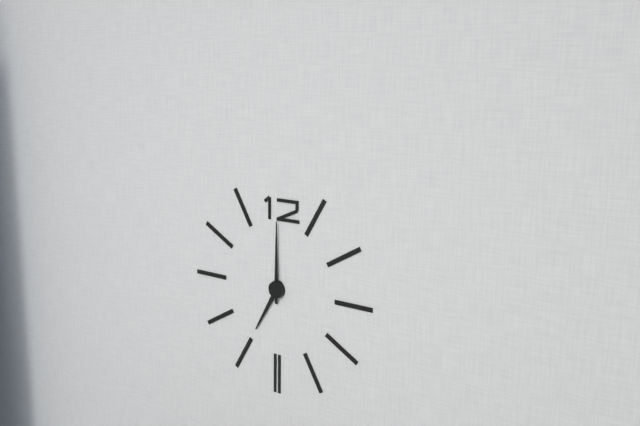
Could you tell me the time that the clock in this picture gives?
7:00
